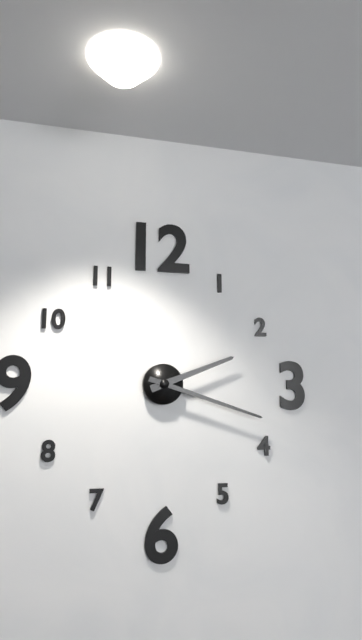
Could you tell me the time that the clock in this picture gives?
2:18
